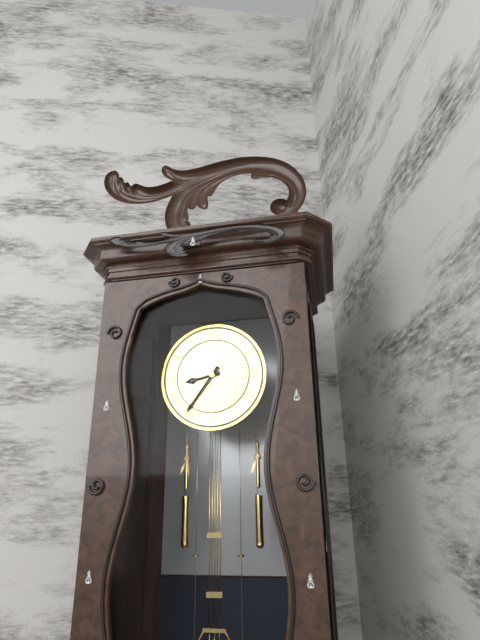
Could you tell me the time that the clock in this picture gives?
8:36
